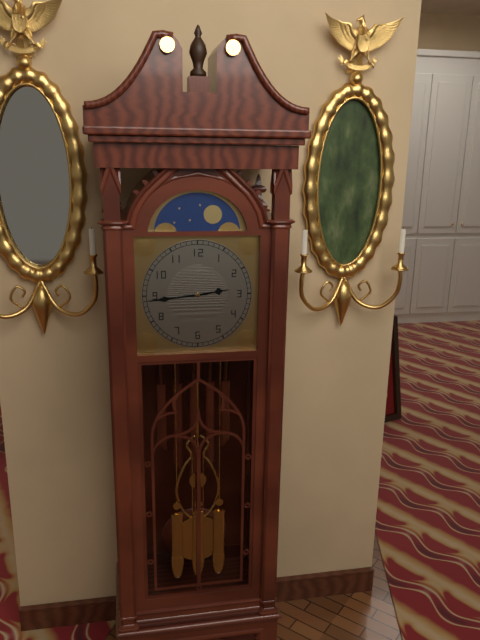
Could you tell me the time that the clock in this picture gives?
2:44
